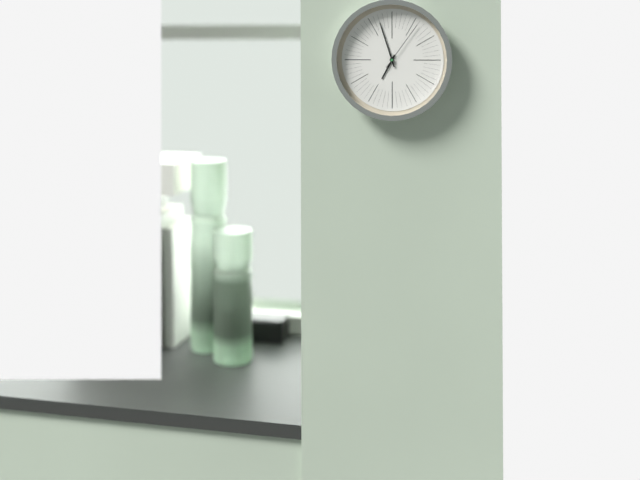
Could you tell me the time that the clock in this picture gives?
6:57:06
